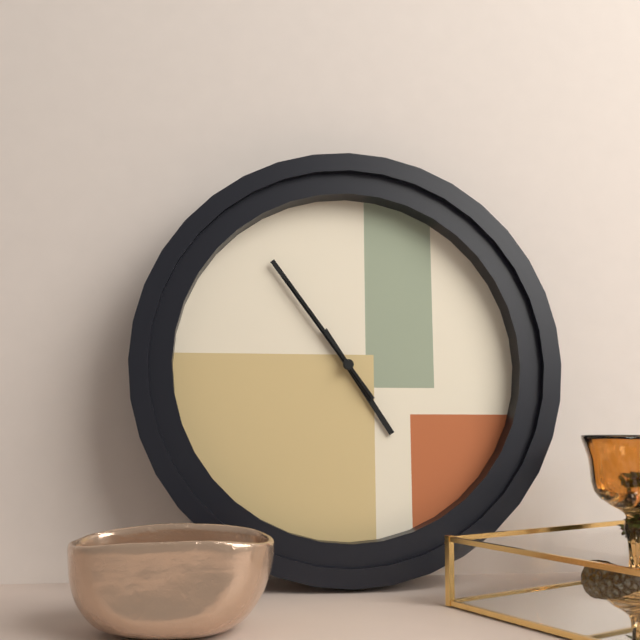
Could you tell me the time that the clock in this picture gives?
4:54:54
